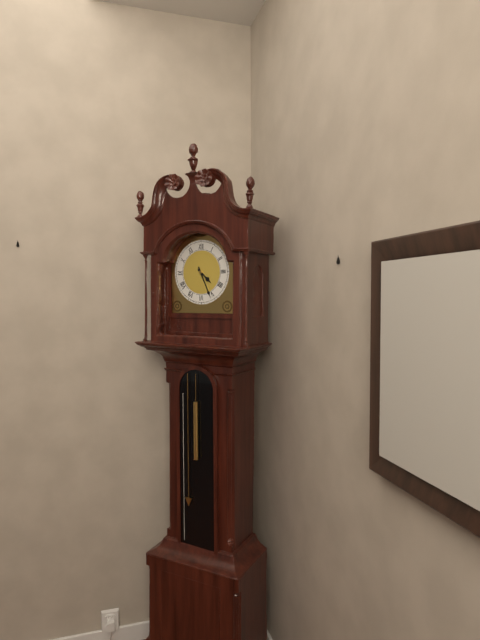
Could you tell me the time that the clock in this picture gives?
4:26
